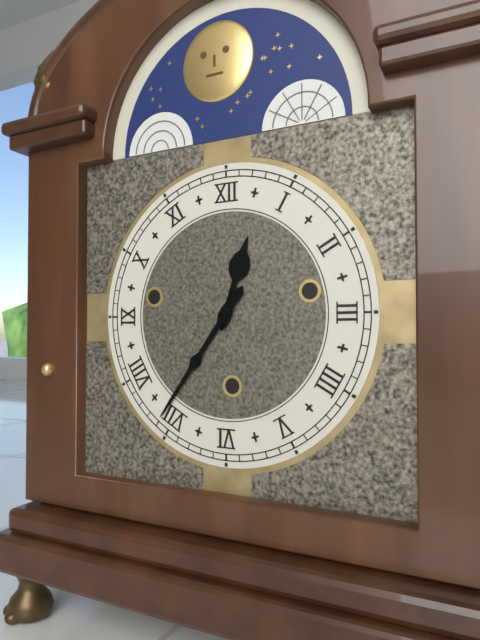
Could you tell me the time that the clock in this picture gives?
12:36
